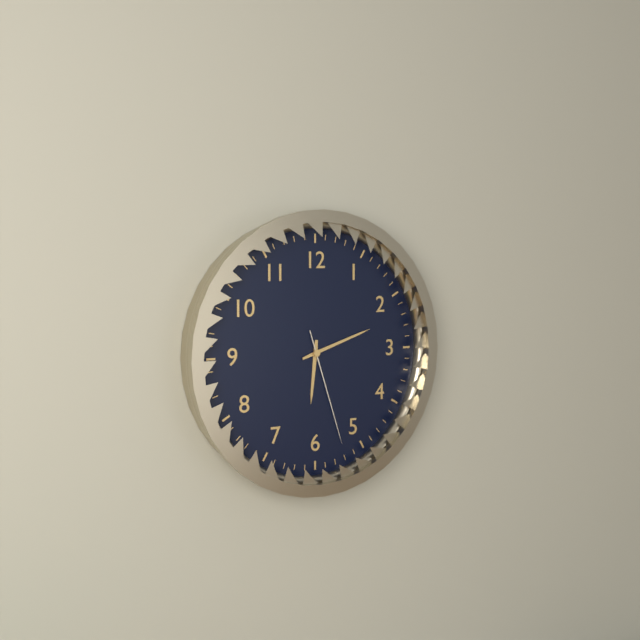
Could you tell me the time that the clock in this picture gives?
6:12:27
